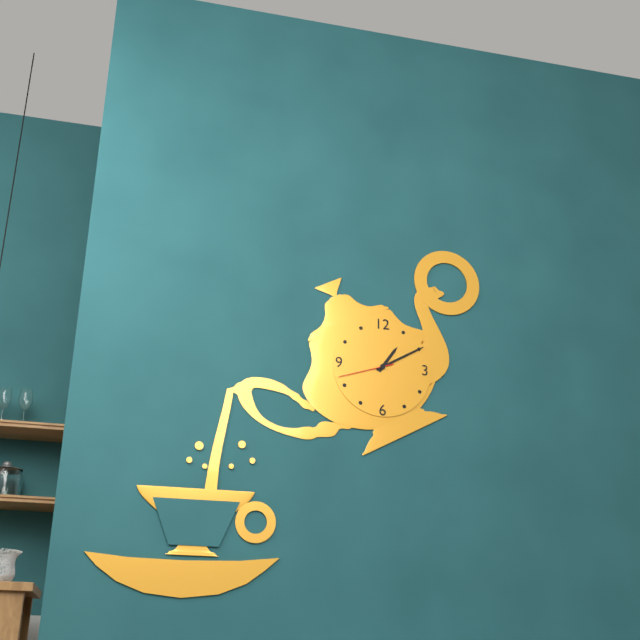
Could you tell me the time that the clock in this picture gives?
1:10:42
